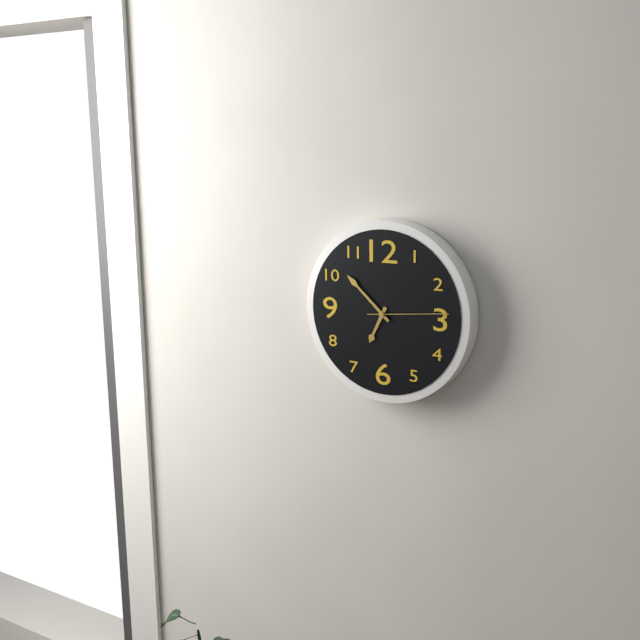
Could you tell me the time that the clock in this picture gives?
6:52:14
